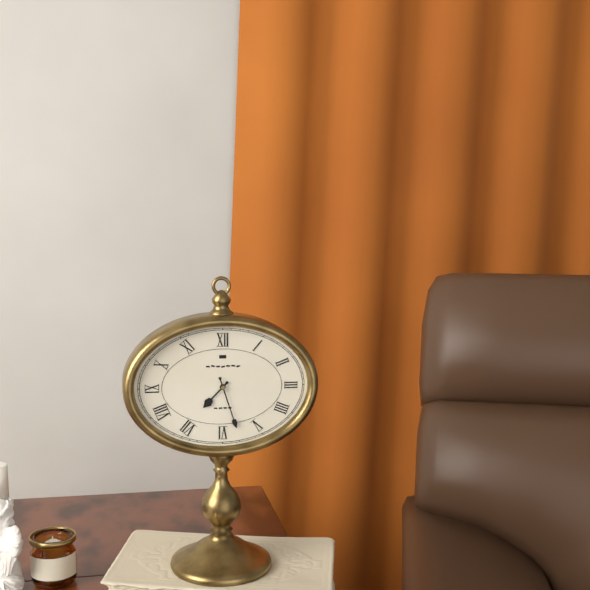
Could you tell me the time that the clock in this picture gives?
7:27
